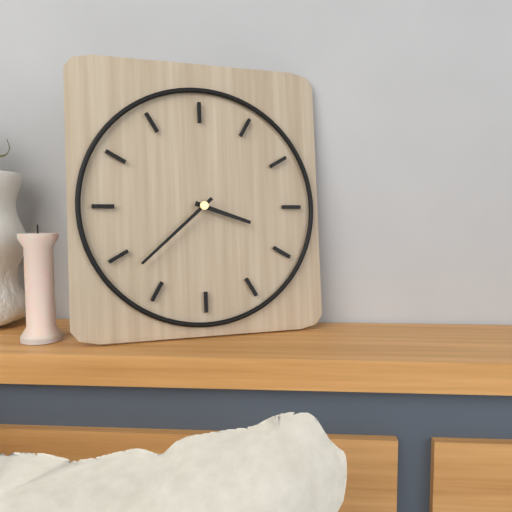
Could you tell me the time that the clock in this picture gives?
3:38
